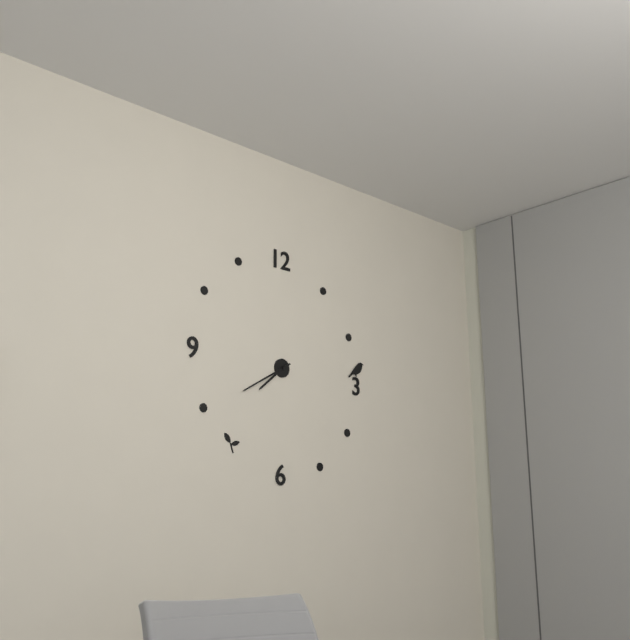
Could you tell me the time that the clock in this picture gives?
7:40
